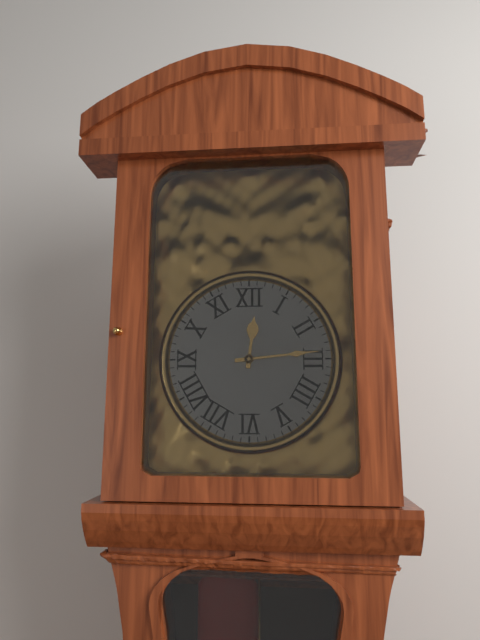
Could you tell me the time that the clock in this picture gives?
12:14
